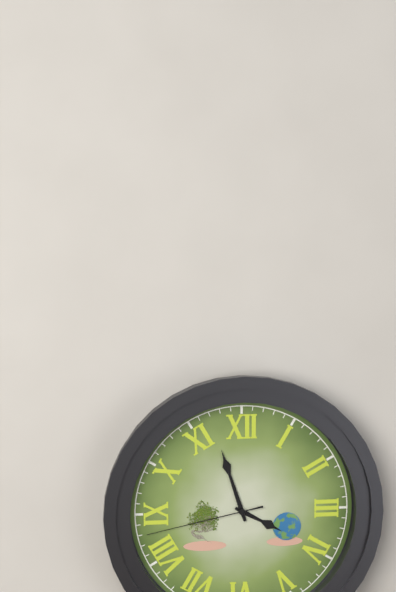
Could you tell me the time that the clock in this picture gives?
3:57:43
